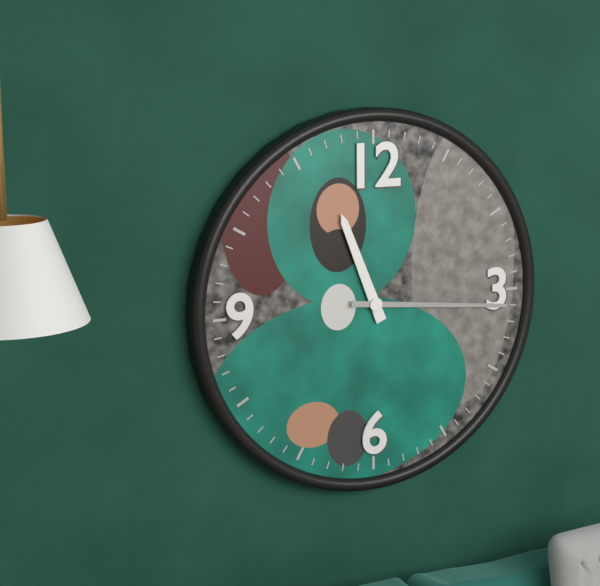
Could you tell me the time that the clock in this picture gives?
11:16
